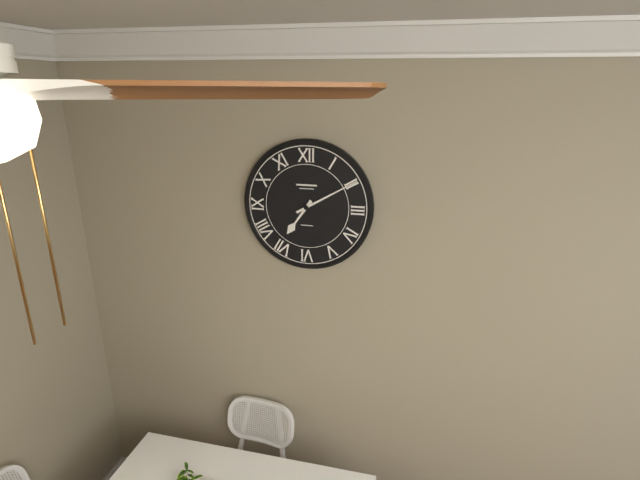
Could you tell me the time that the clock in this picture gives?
7:10
